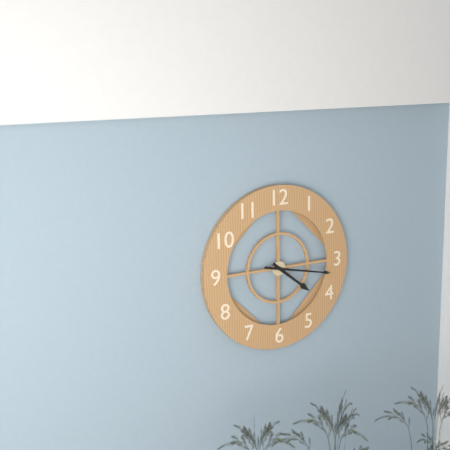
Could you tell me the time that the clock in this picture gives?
4:17
